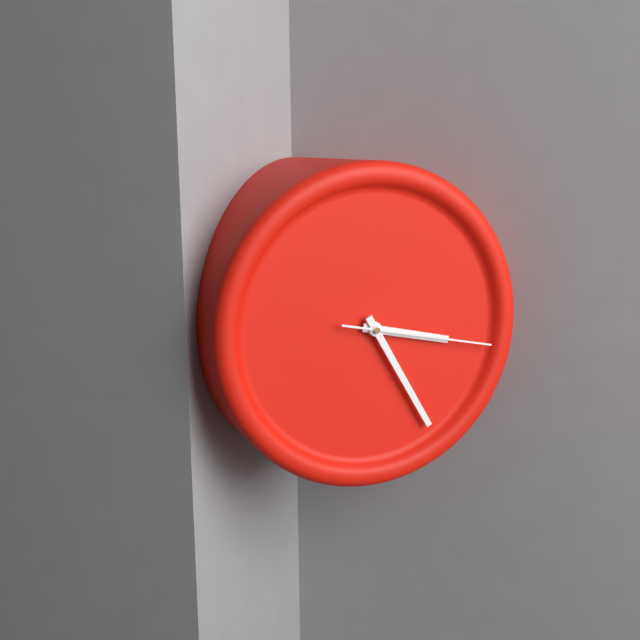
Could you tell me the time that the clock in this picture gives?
3:25:17
